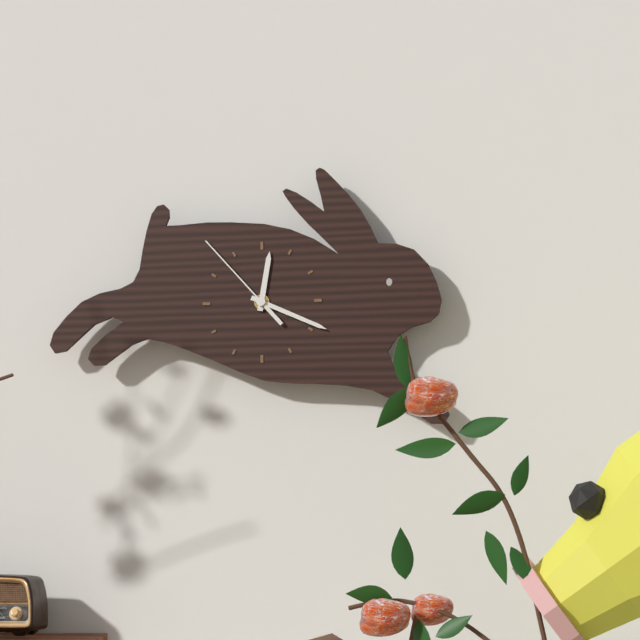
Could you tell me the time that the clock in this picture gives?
12:19:53
